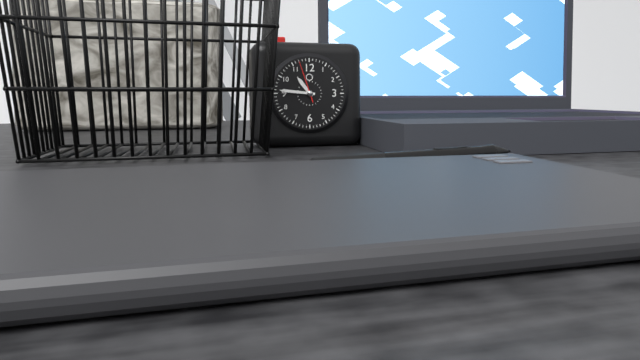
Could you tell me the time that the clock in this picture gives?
10:46
